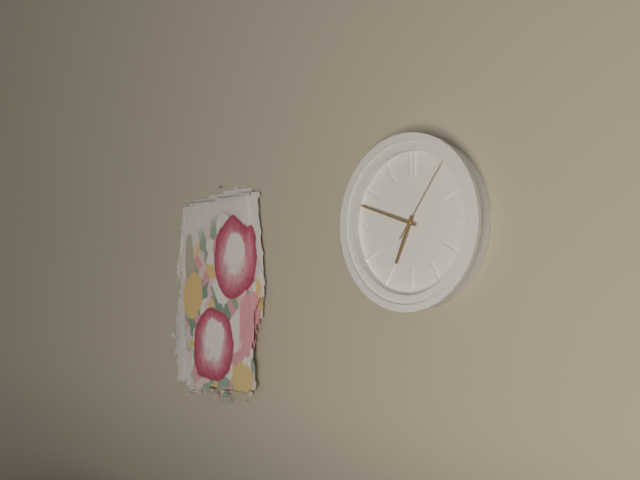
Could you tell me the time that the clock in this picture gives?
6:48:06
